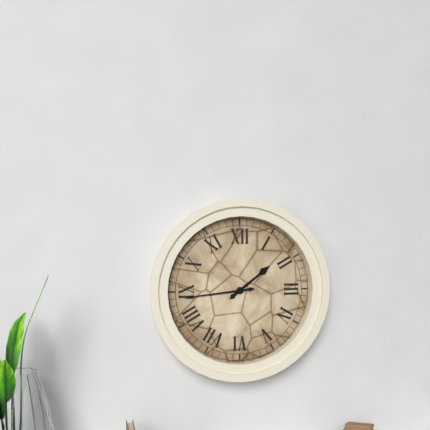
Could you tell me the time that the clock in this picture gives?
1:44
